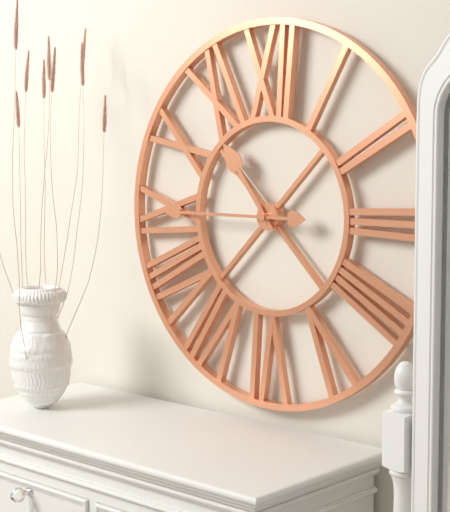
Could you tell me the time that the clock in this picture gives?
10:45
